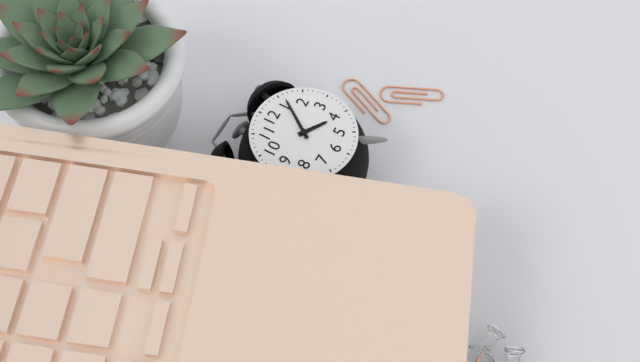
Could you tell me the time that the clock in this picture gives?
4:06
